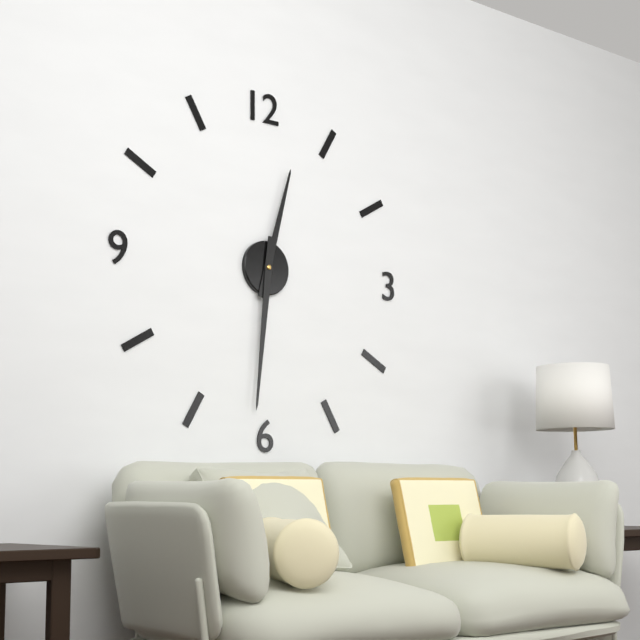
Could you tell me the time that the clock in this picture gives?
12:31
